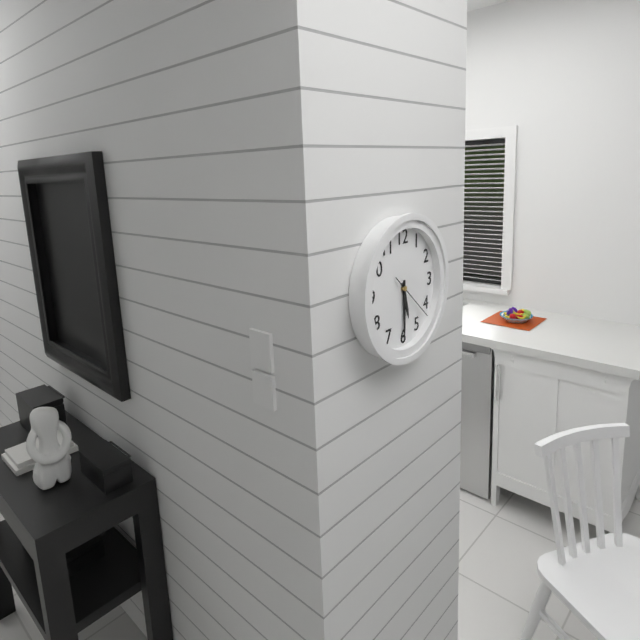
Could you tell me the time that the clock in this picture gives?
5:30
